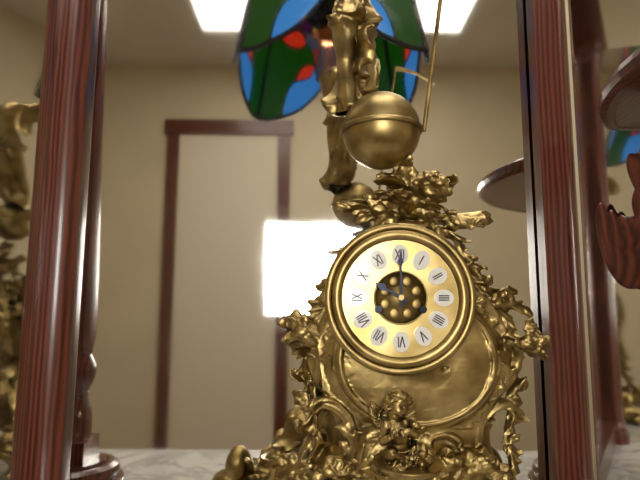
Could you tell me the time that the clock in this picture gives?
10:00
